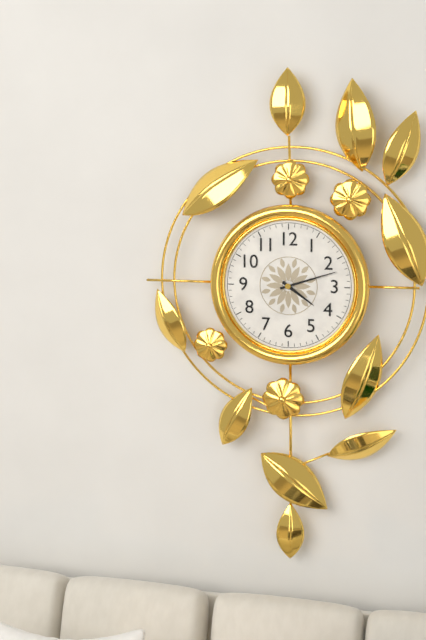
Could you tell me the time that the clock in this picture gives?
4:12
